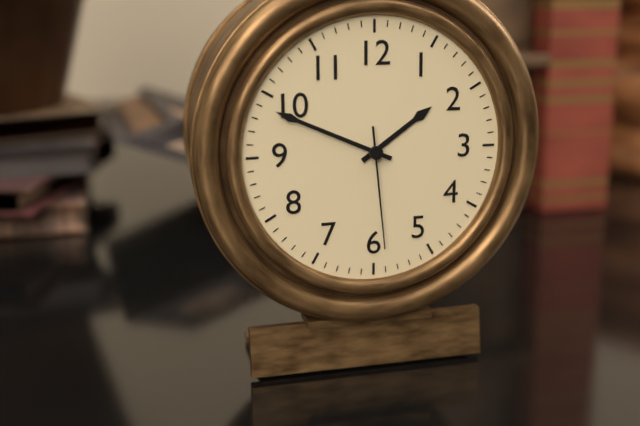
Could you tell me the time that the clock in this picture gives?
1:49:29
